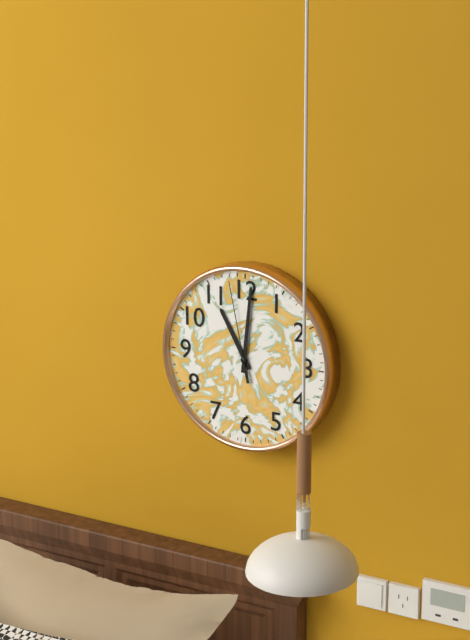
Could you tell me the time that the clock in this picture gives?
11:01:58
